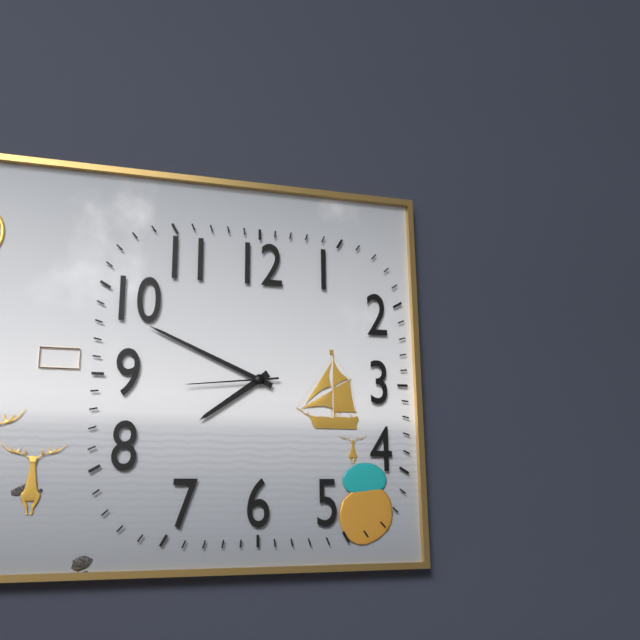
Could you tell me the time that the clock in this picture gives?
7:49:44
